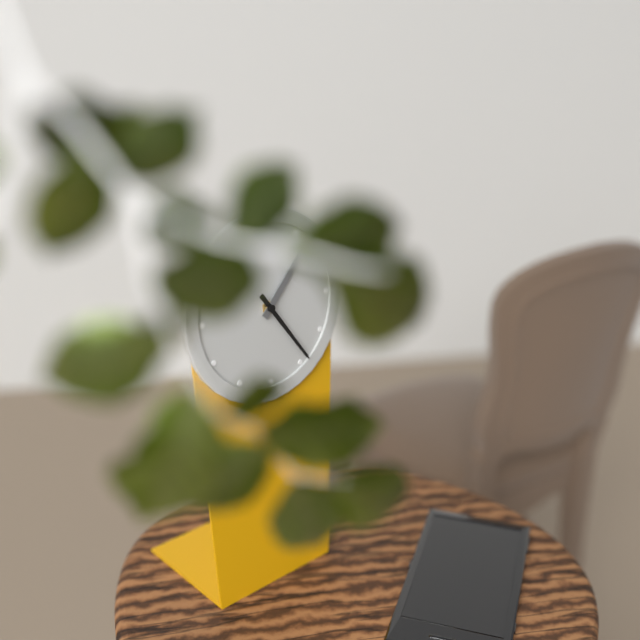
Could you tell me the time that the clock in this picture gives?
1:24
